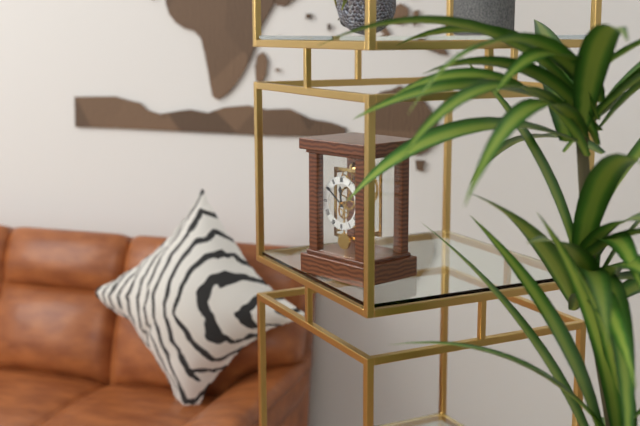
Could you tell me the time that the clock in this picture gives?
11:51
